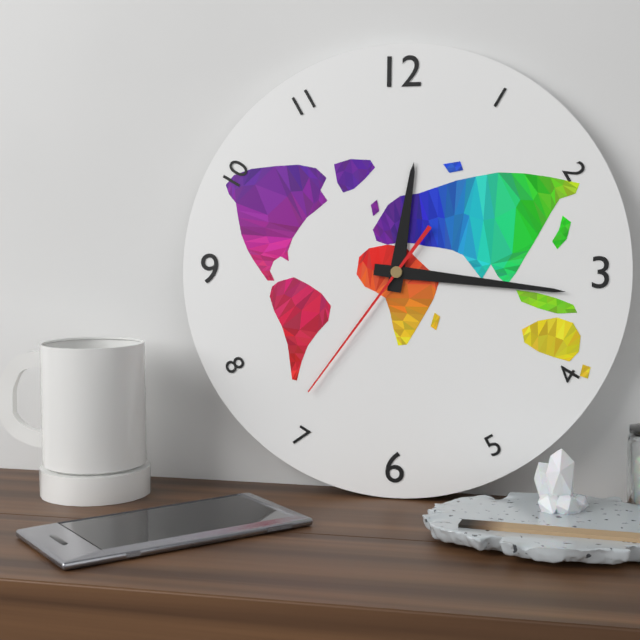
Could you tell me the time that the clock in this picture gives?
12:16:36
